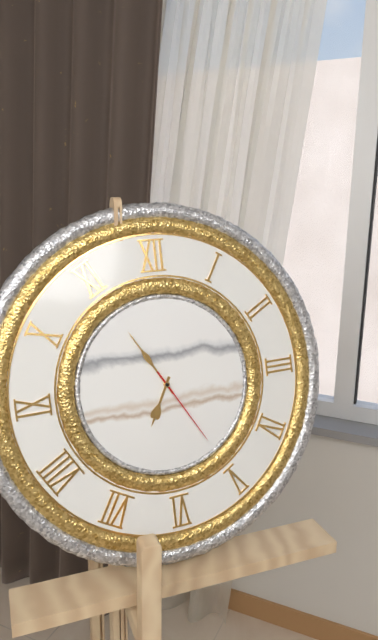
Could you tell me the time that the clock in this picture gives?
6:55:25
